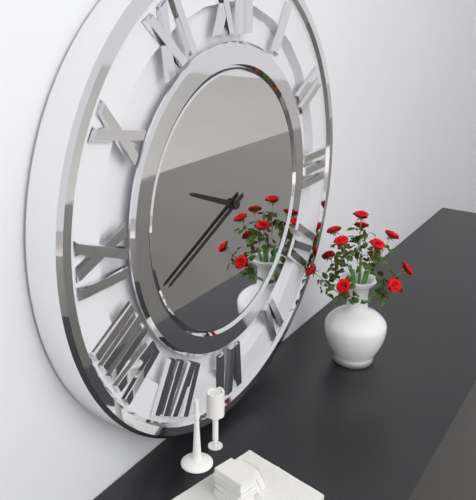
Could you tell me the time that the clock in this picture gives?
9:41
